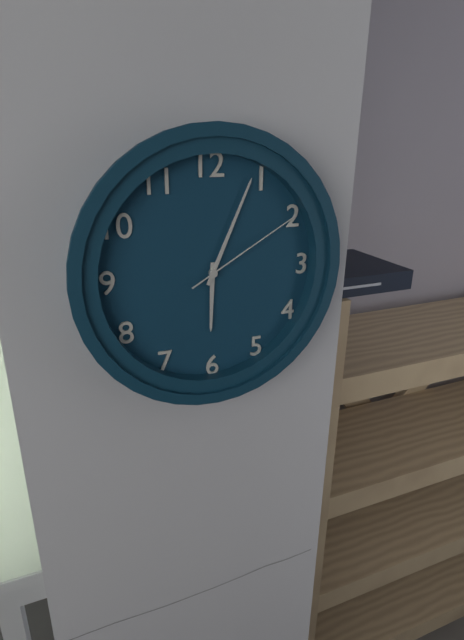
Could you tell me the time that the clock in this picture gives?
6:04:10
